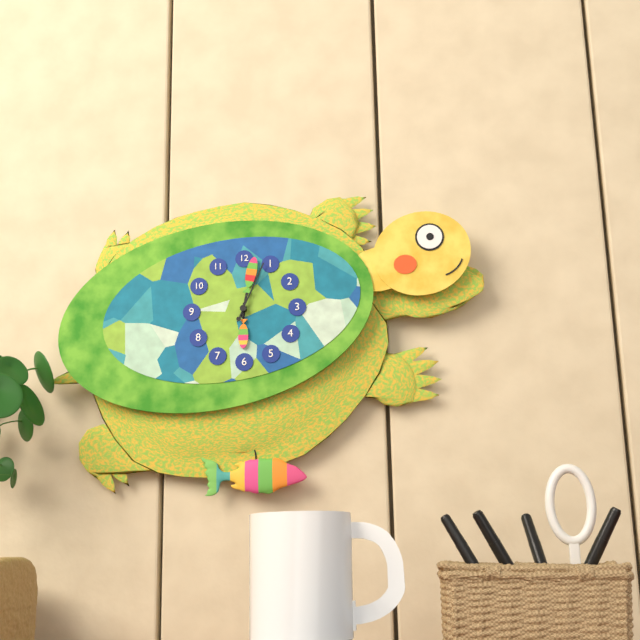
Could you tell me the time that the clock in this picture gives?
6:02:04
